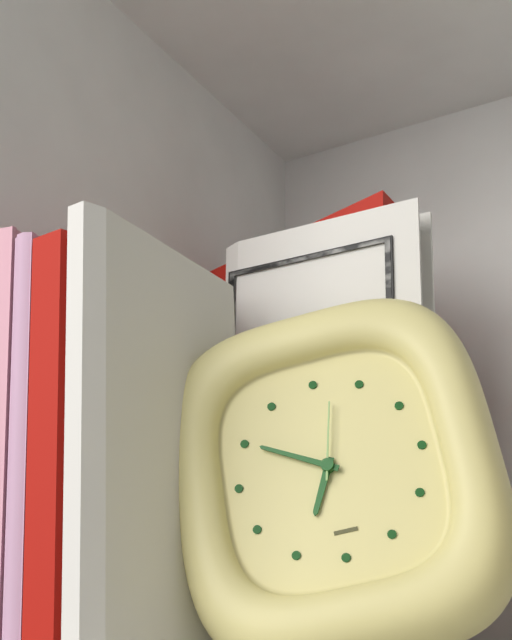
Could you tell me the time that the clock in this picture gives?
6:50:02
